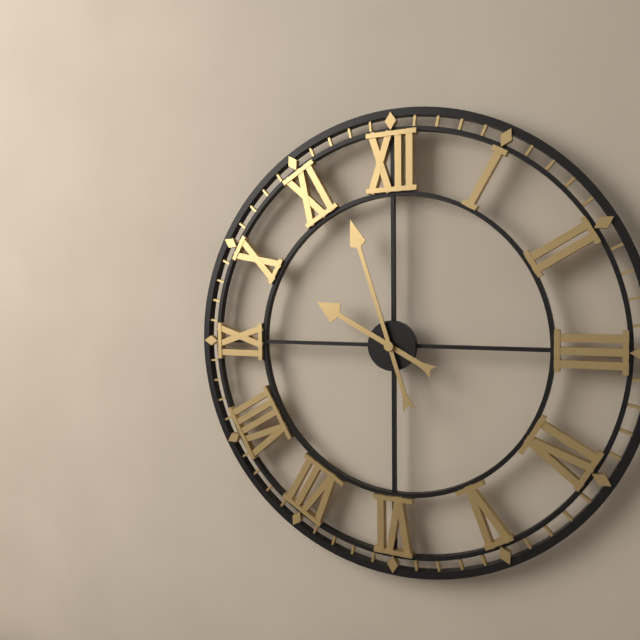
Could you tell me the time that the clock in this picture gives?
9:57
